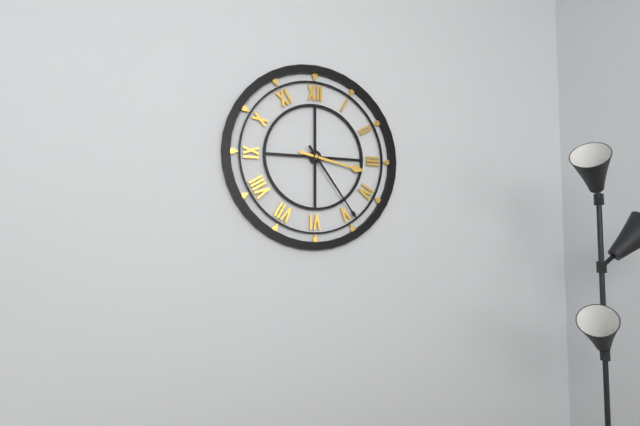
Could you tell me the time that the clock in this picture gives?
3:24
